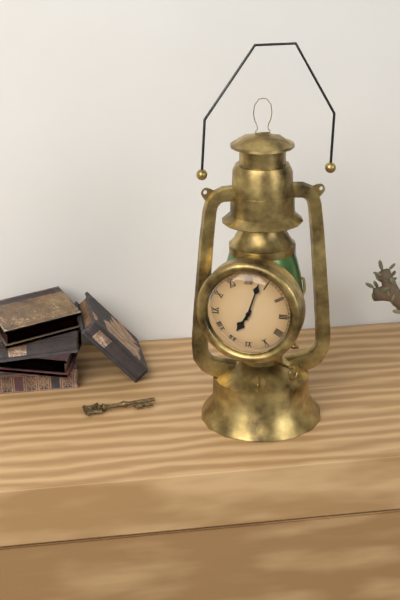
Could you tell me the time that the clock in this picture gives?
7:03
